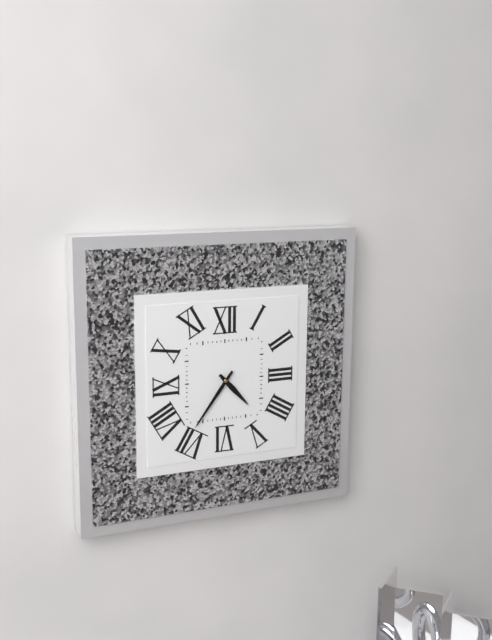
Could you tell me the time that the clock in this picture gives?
4:36
